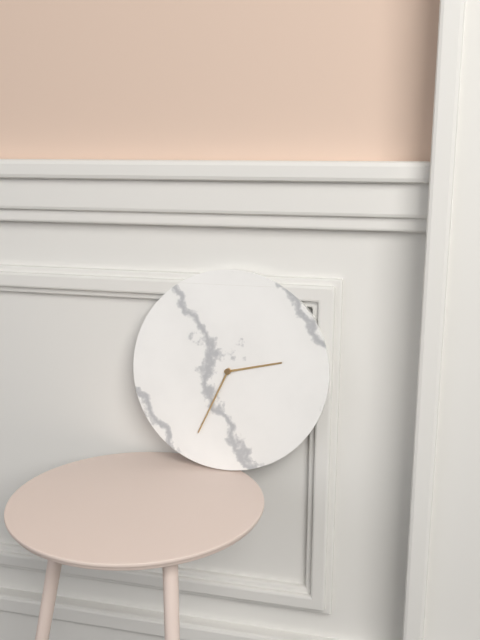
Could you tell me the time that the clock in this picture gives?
2:34
